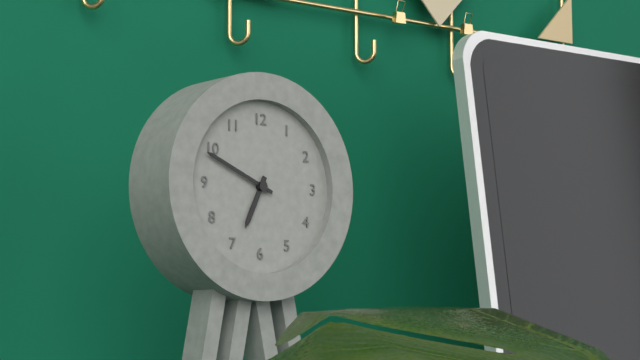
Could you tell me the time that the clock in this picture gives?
6:49
